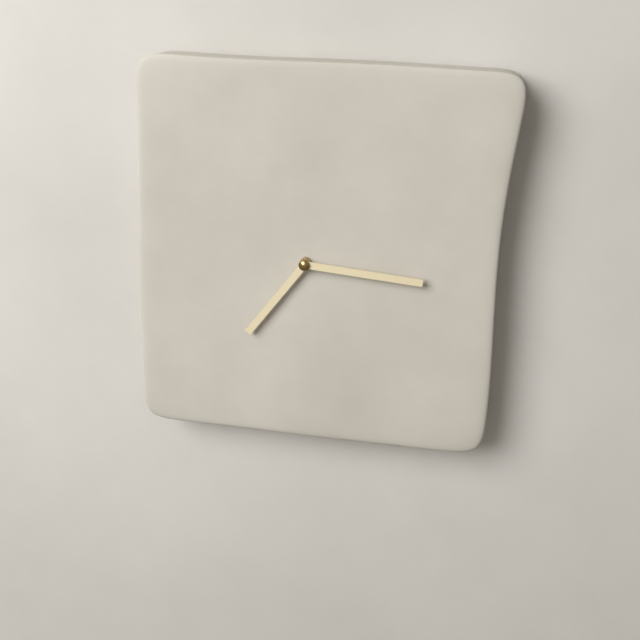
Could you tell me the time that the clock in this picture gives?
7:16
